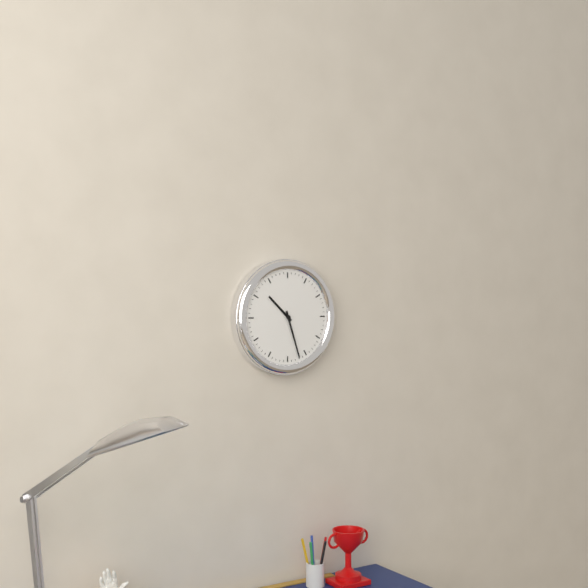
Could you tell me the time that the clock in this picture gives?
10:27
